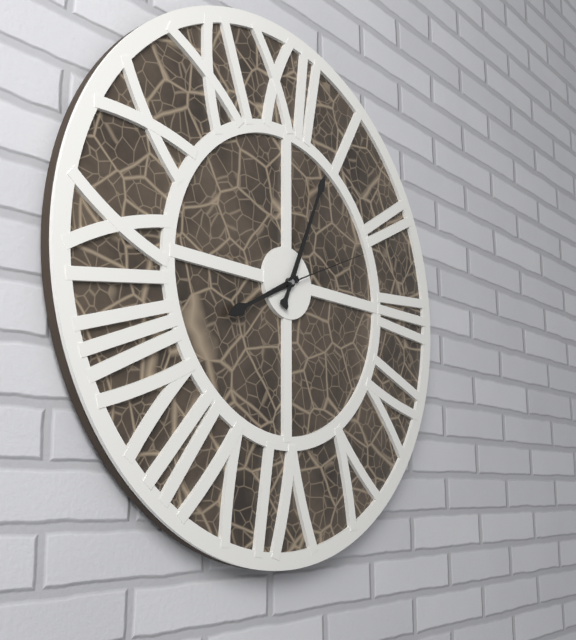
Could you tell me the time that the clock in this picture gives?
8:04:11
